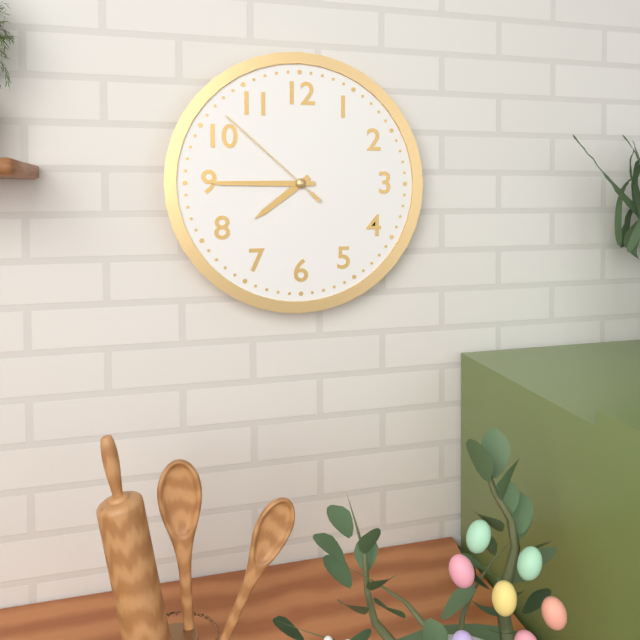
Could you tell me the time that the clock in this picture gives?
7:45:52
